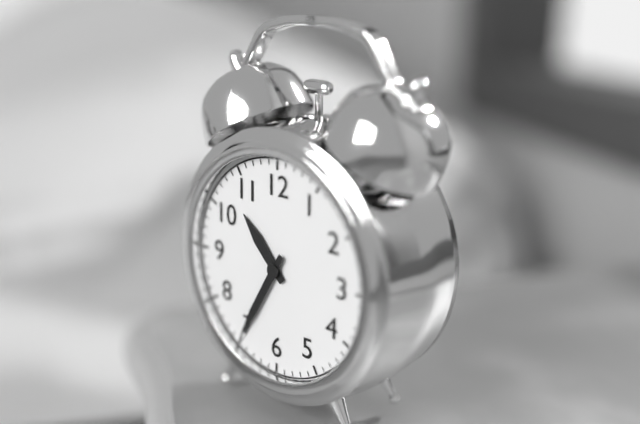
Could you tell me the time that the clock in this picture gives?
10:35
